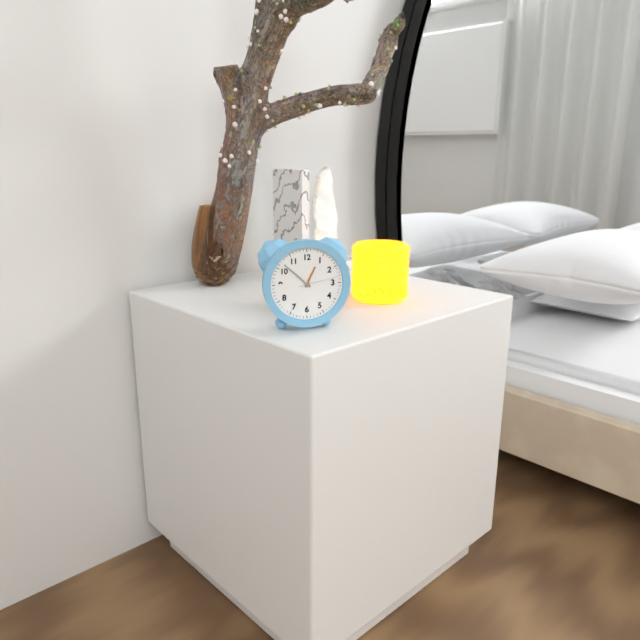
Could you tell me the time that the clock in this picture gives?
12:52
